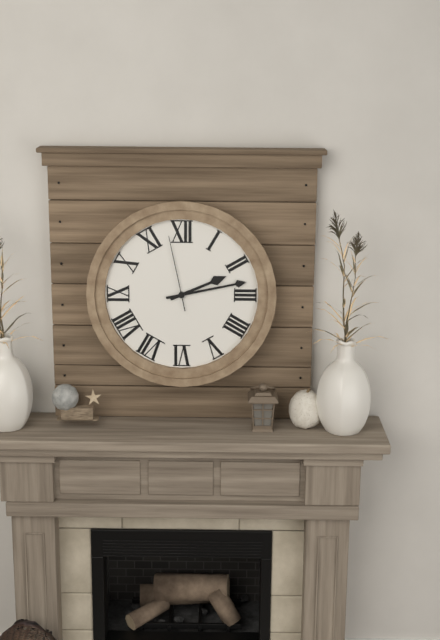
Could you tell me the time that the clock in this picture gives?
2:13:58
